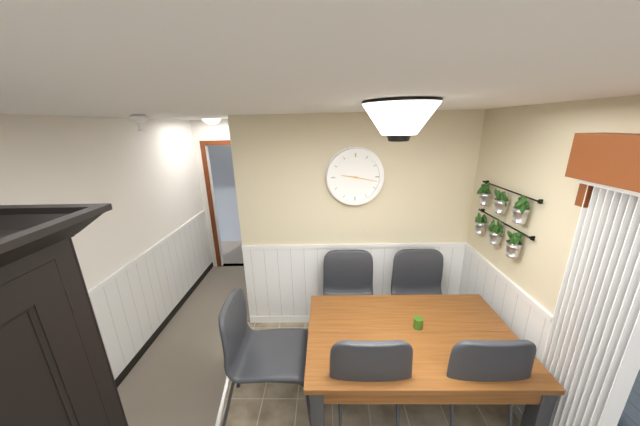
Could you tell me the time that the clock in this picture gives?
9:17
